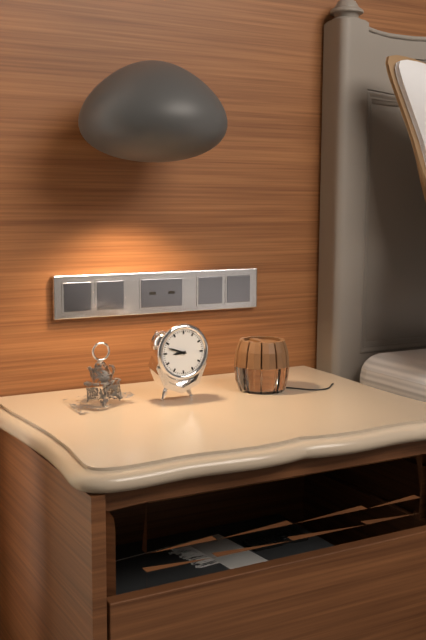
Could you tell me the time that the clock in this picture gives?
8:48
